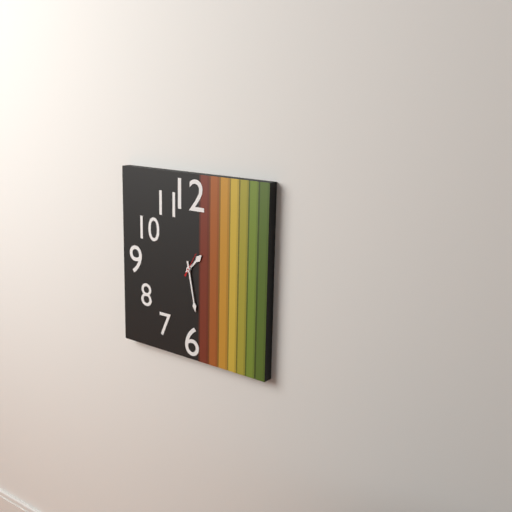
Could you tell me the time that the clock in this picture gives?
1:28
